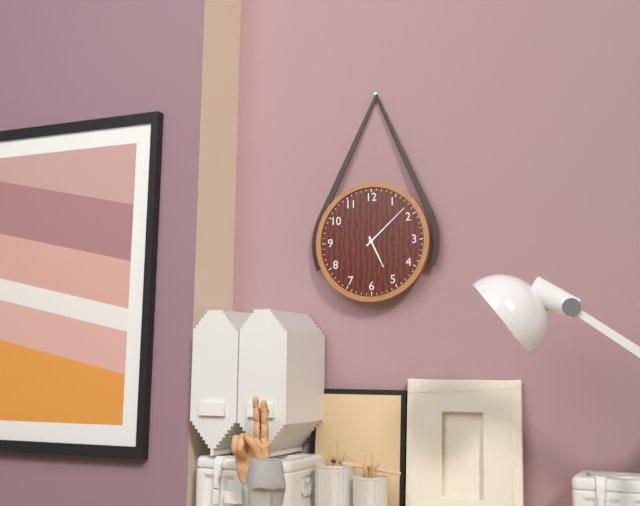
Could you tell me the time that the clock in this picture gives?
5:08
